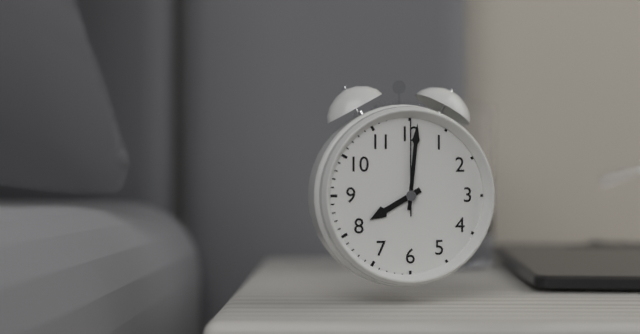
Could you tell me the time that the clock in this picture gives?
8:01:00
